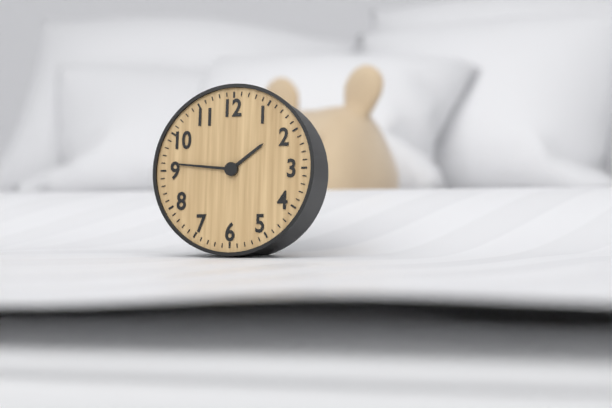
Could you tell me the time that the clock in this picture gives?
1:46
